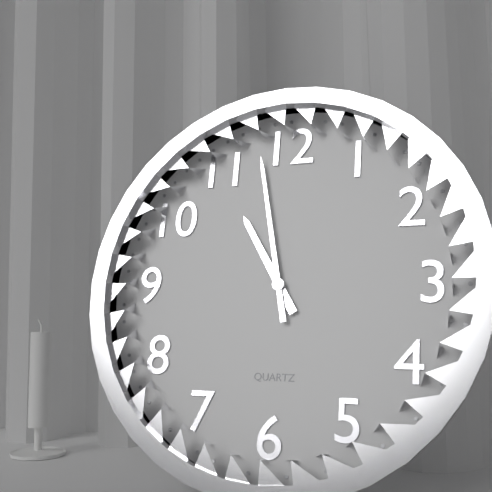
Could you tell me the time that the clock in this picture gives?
10:58
